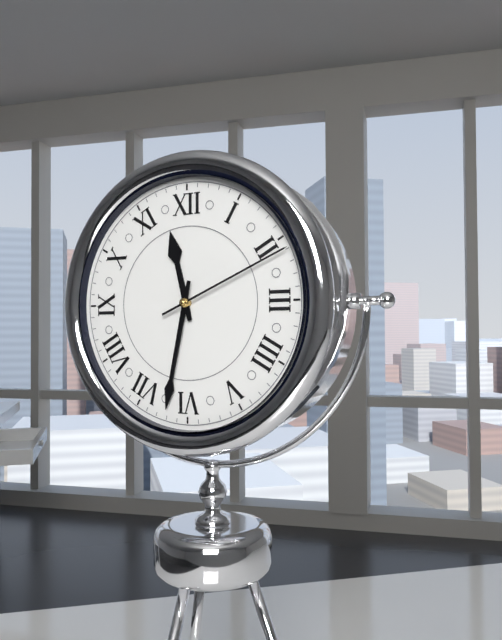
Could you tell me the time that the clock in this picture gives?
11:32:11
